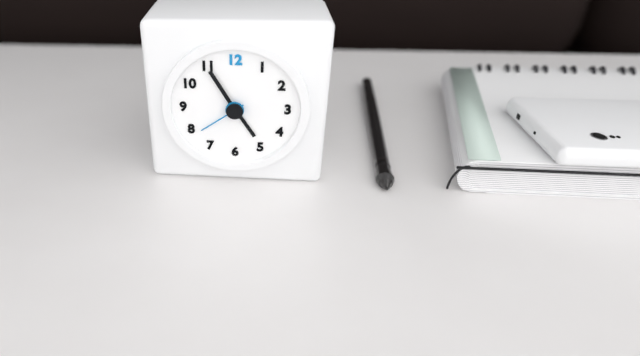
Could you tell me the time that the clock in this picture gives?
4:55
